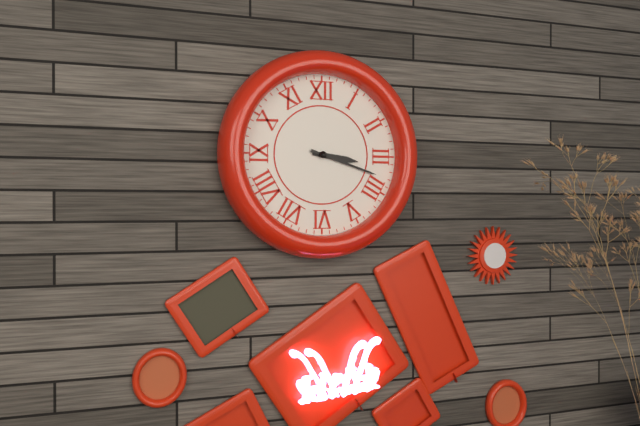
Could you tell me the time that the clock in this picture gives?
3:18
